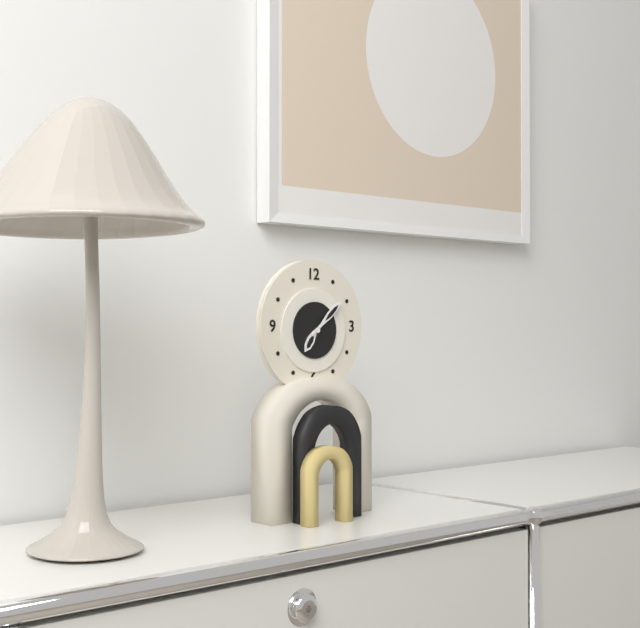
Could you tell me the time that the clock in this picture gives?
7:08
